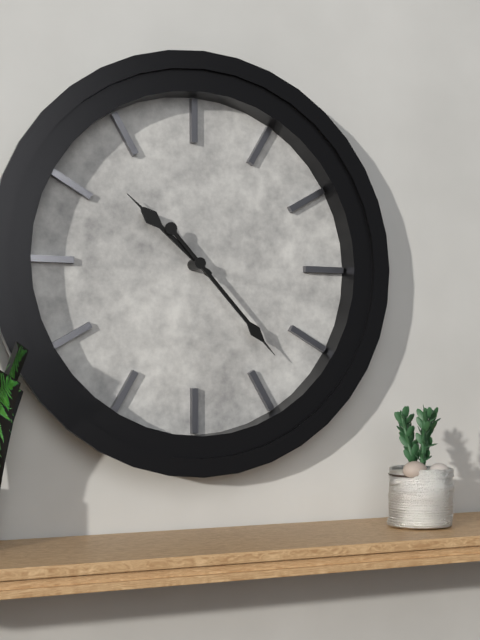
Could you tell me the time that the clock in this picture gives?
10:23
